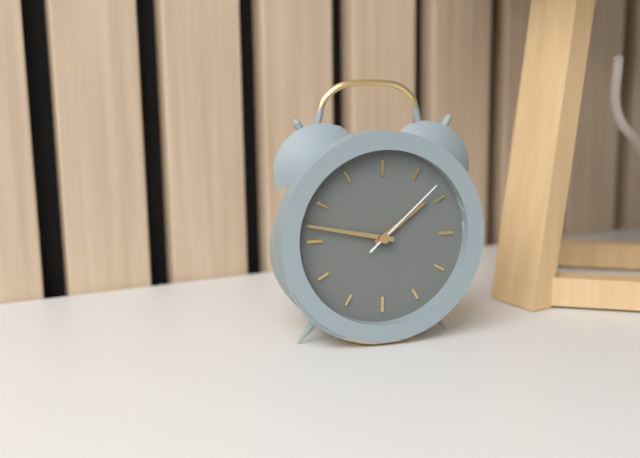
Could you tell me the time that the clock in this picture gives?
1:47:08
